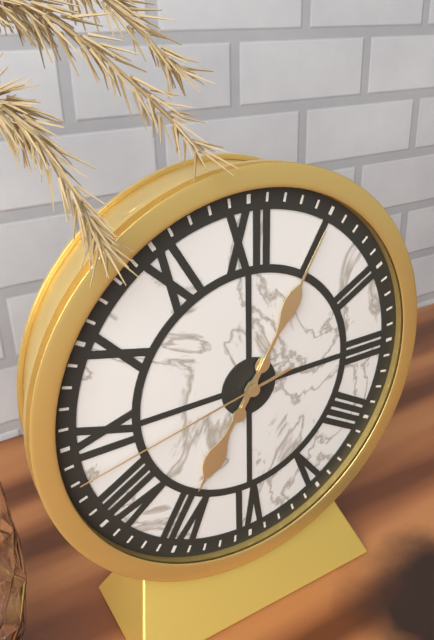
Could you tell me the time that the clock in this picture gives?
7:05:43
